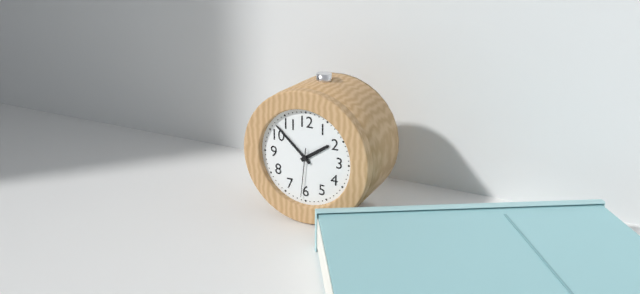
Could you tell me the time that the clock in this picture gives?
1:52
